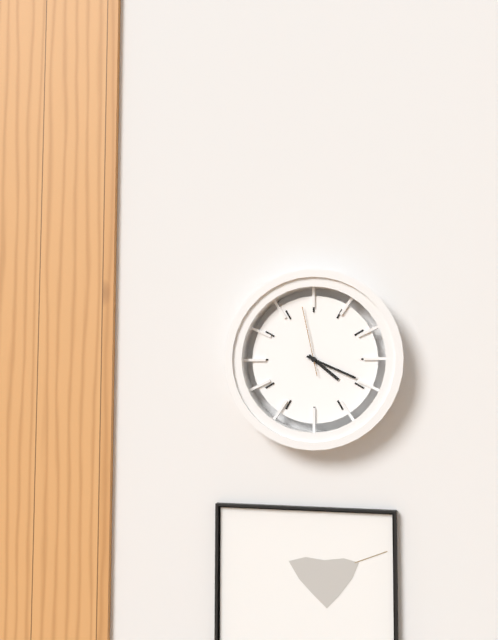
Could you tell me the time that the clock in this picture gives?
4:19:58
